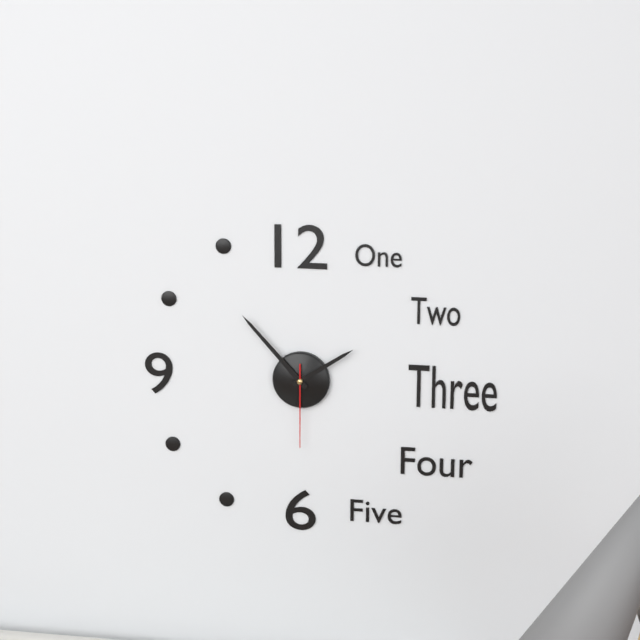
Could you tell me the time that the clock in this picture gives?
1:53:30
